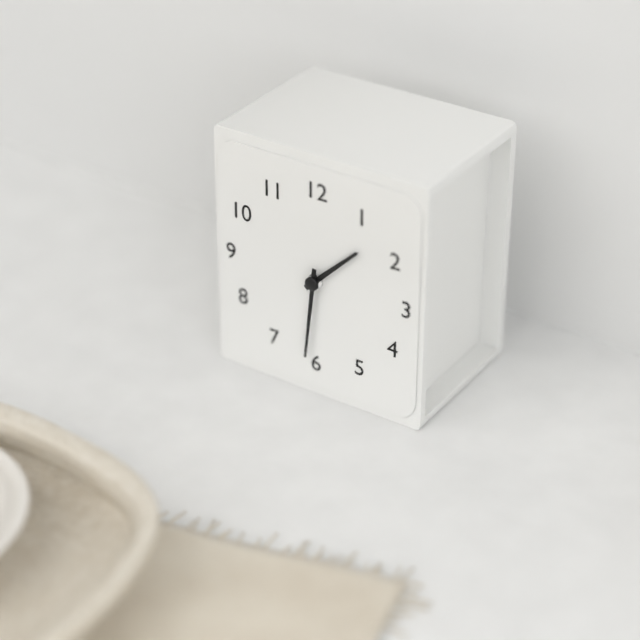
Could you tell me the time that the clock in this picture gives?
1:31
